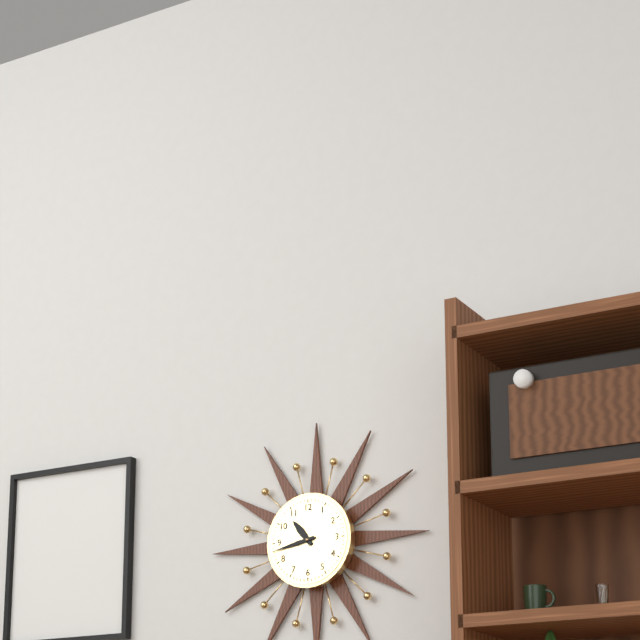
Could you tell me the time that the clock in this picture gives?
10:43
